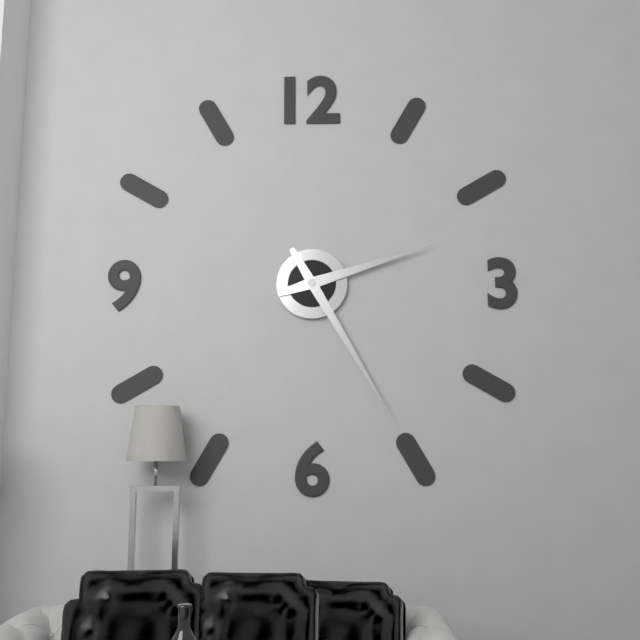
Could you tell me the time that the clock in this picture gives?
2:25
